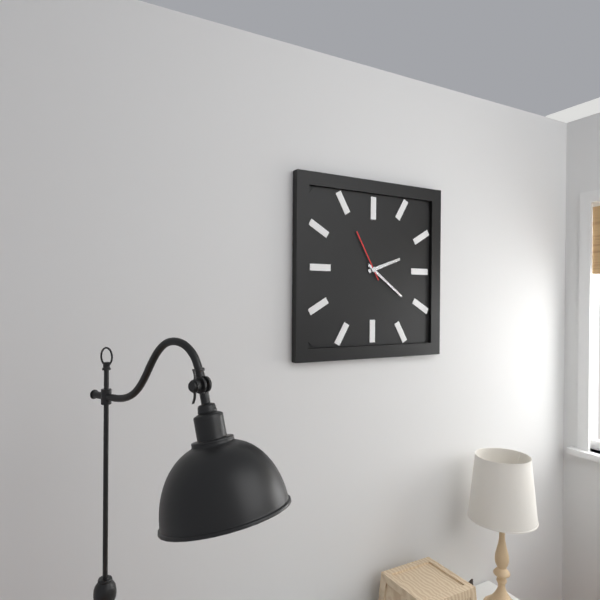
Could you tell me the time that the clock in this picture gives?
2:21:55
